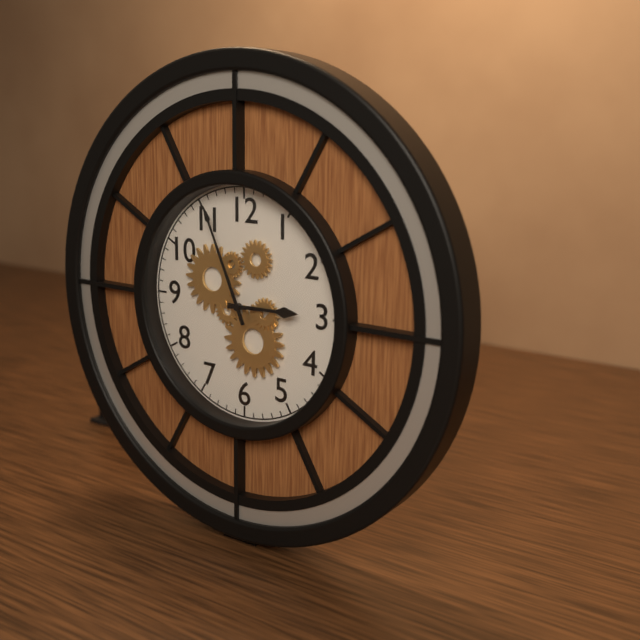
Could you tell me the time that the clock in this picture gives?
2:56
